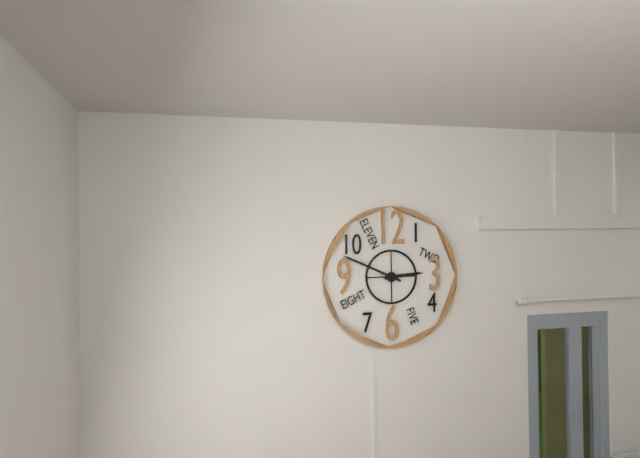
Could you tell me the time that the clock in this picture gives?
2:49
